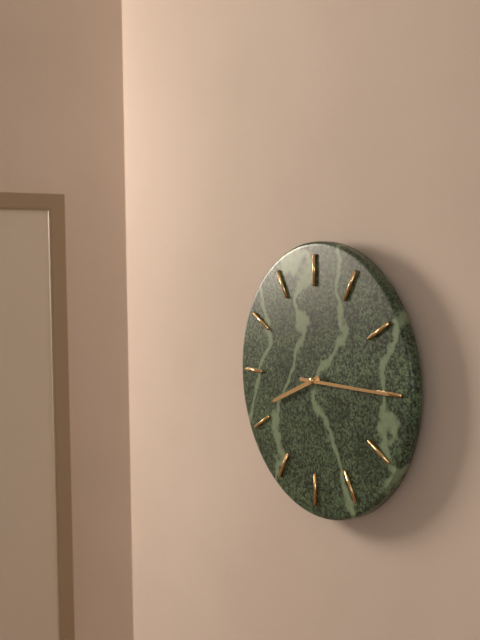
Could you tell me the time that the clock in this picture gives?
8:15
